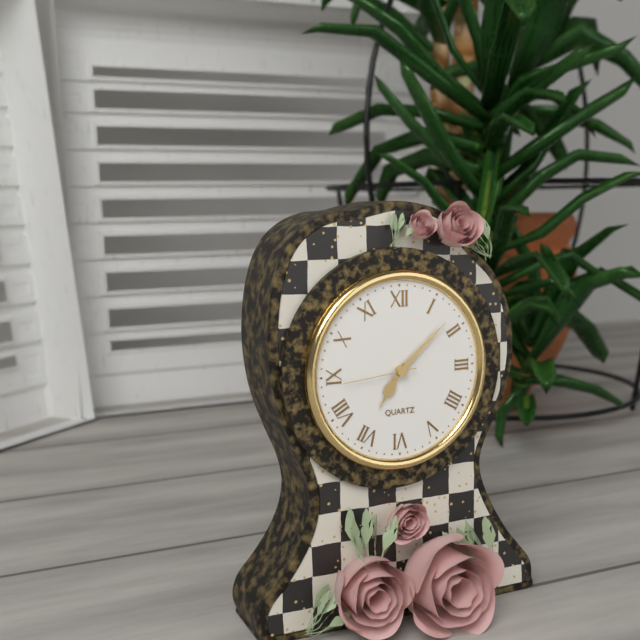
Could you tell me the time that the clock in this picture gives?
7:08:44
